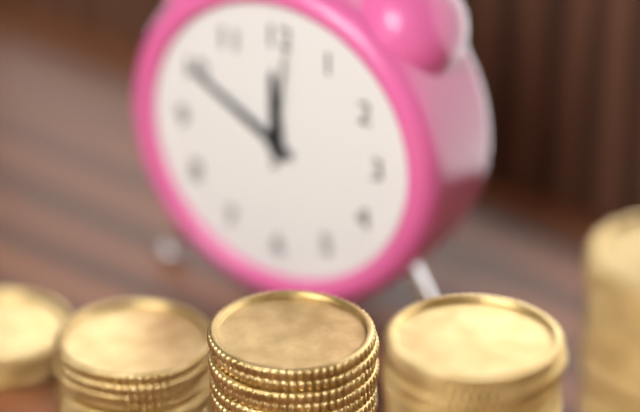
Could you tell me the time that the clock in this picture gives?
11:50:01
